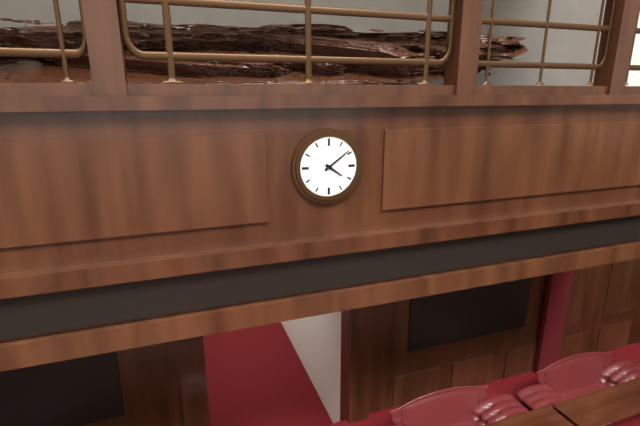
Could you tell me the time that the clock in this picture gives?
4:09
